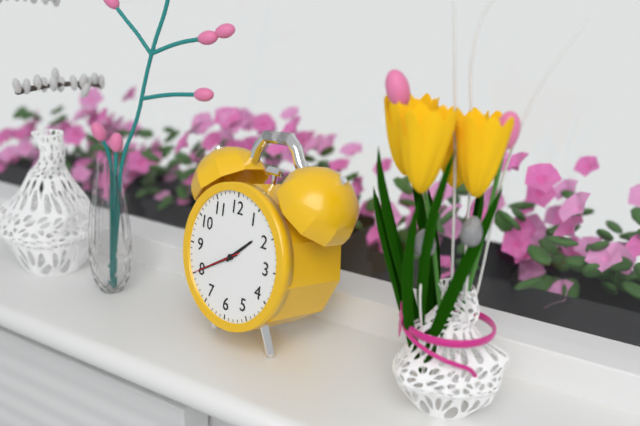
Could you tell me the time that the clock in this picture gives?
1:40:40
